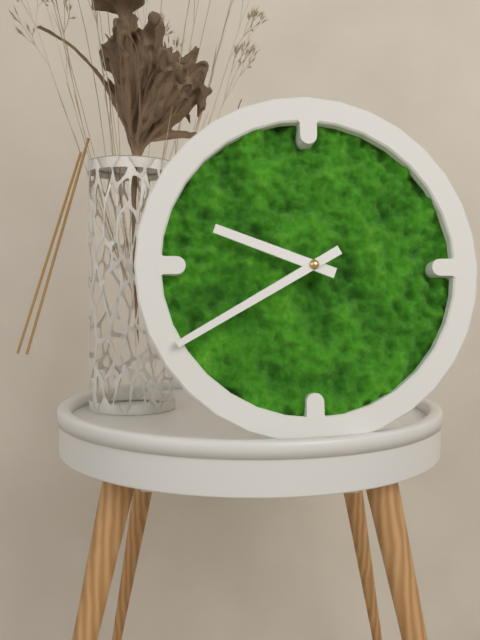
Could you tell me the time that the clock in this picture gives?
9:40
